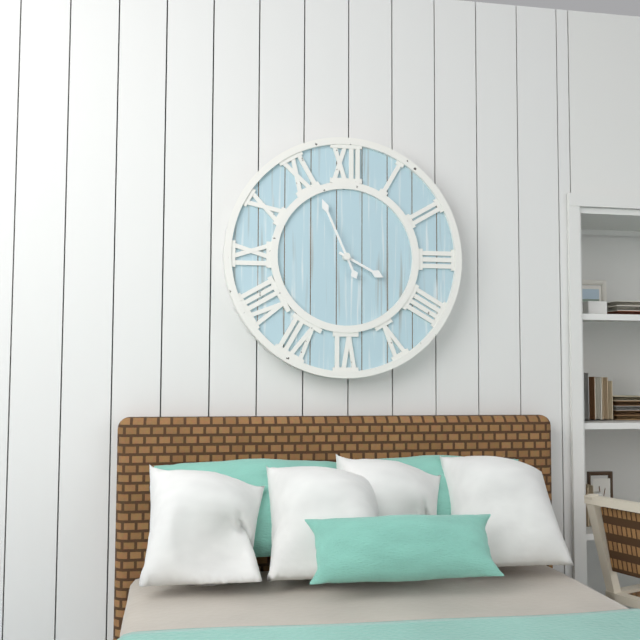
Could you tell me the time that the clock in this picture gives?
3:56
